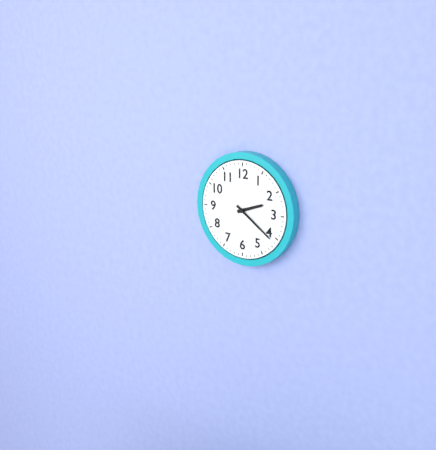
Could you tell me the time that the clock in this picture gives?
2:21
